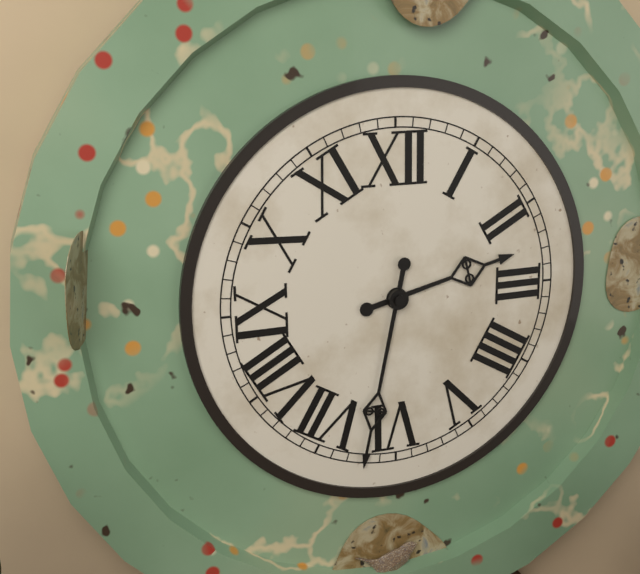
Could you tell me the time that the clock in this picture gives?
2:32
